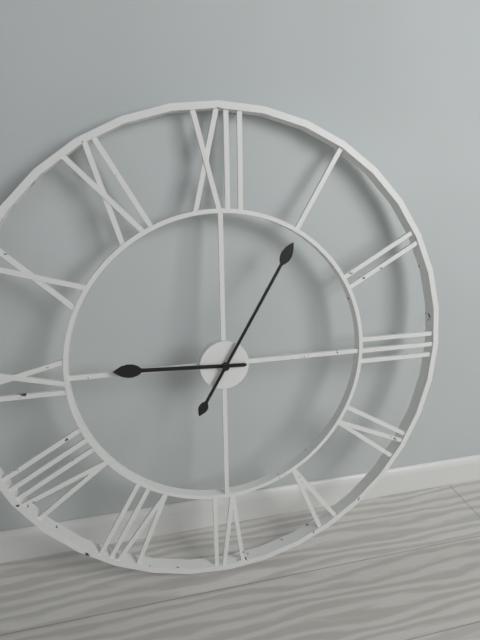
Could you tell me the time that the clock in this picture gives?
9:05
